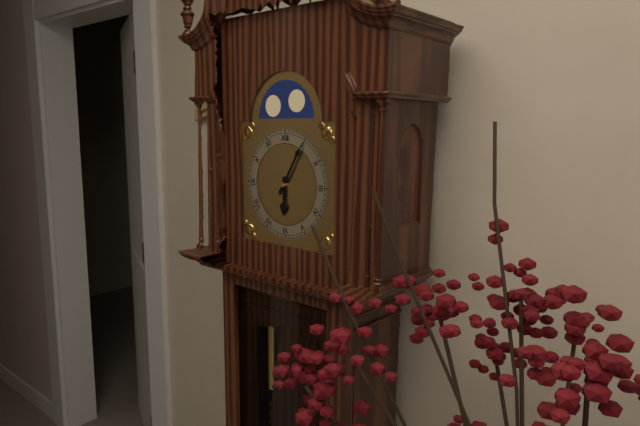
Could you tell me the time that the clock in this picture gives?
6:05
